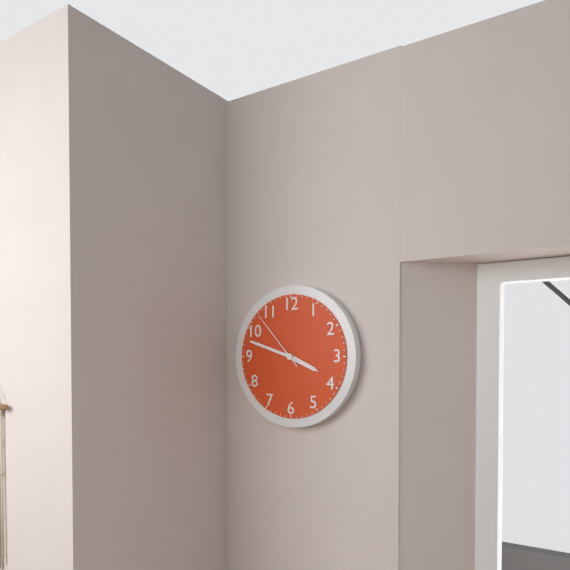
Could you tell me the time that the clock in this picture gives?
3:48:53
